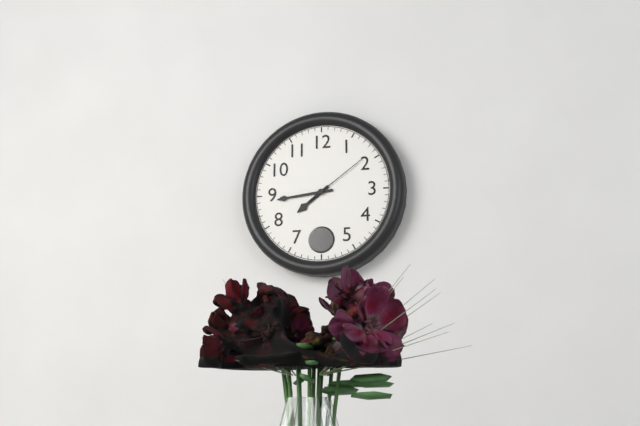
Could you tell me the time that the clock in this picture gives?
7:44:09
